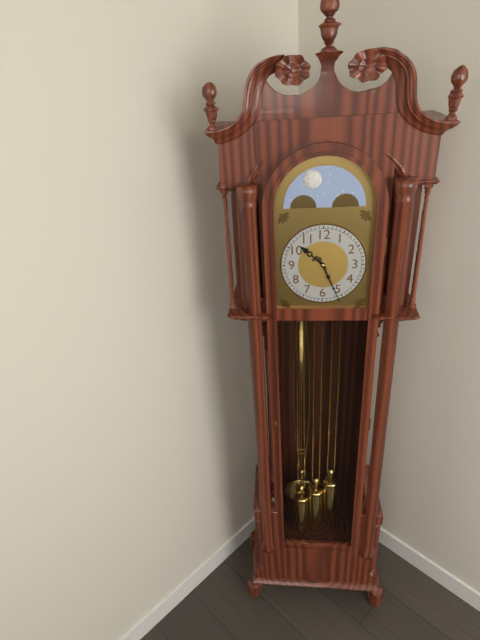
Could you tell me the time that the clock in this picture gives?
10:26
